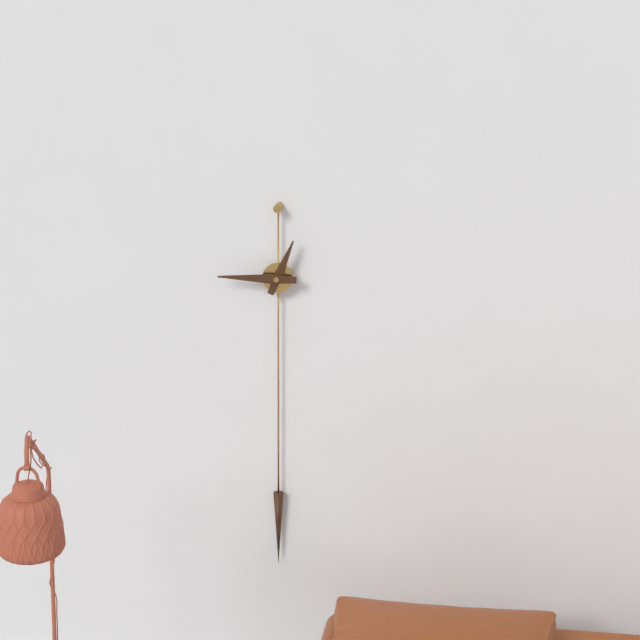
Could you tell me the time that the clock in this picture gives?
12:45
